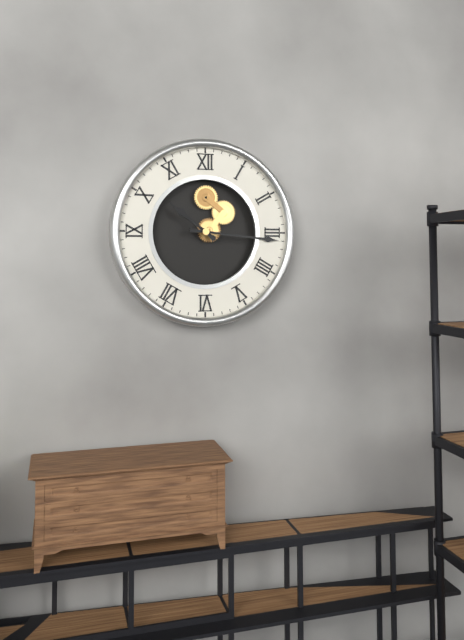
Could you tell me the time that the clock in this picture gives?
10:16
